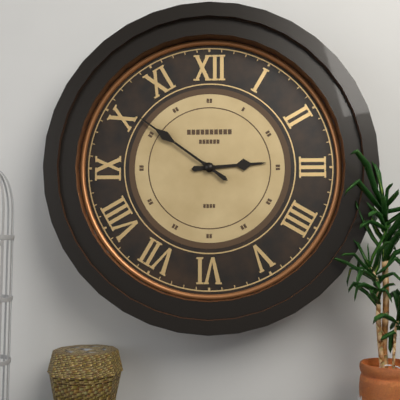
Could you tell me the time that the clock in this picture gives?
2:51
